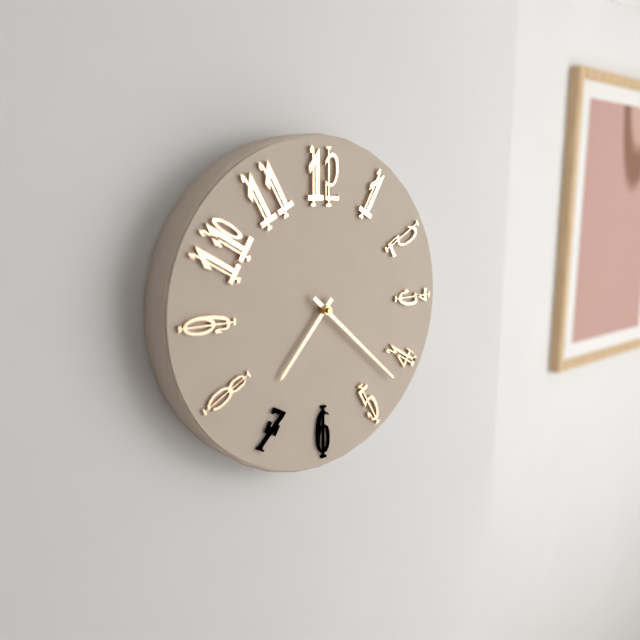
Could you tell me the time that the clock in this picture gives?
7:22
